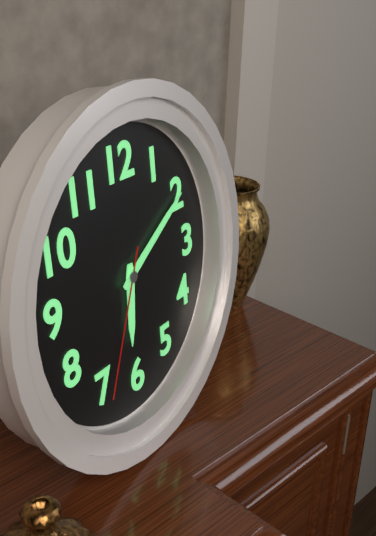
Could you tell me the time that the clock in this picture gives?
6:10:34
